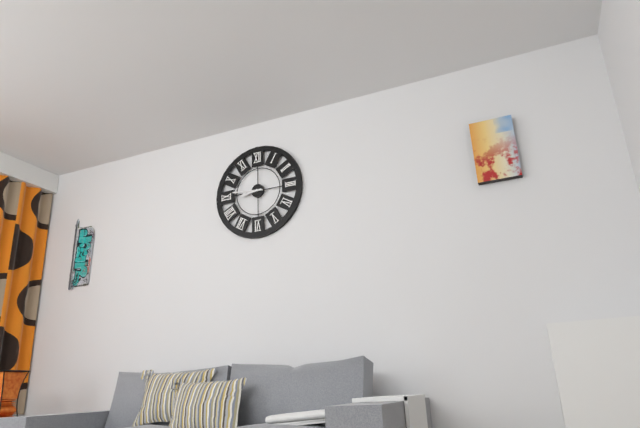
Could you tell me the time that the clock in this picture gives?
8:46
